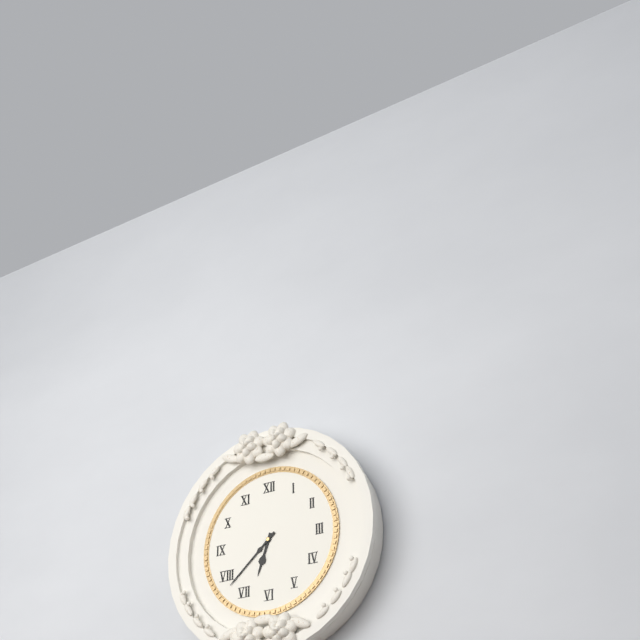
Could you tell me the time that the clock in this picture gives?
6:38
